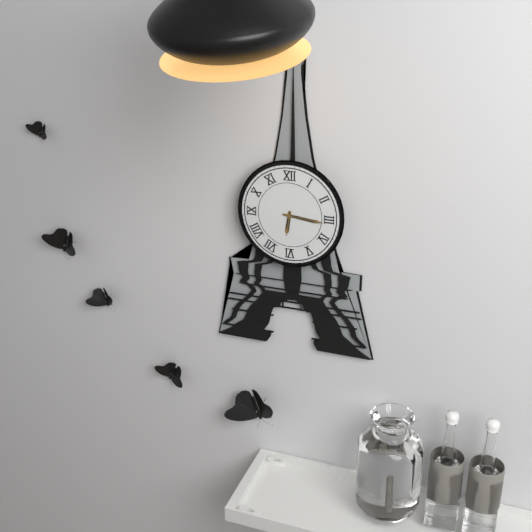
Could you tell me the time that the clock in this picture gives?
6:16
